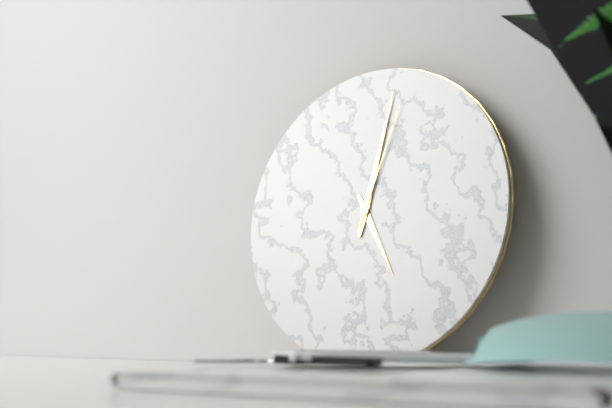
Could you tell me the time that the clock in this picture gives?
5:02:03
